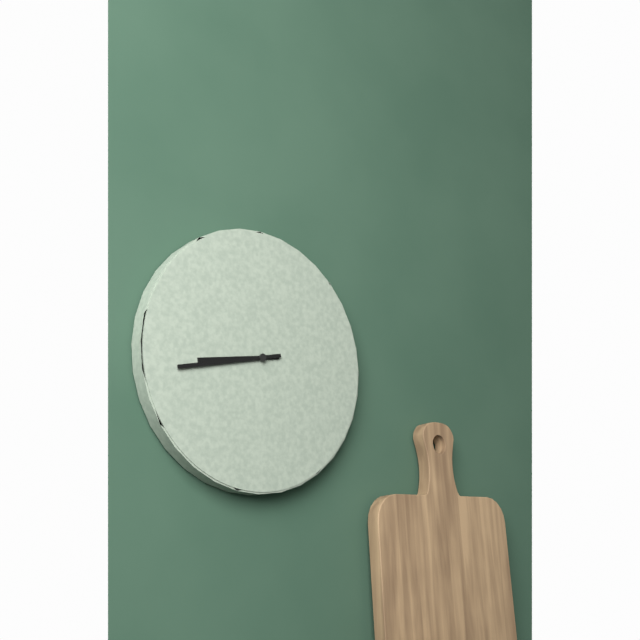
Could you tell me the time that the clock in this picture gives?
8:43
